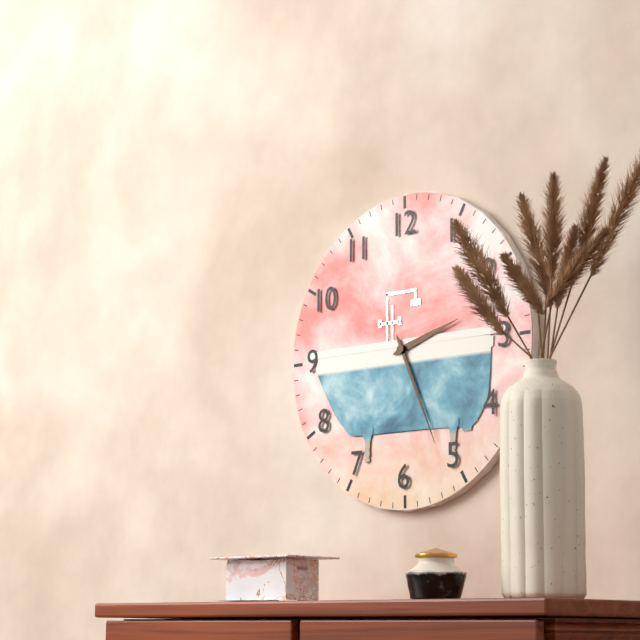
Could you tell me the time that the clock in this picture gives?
2:26
